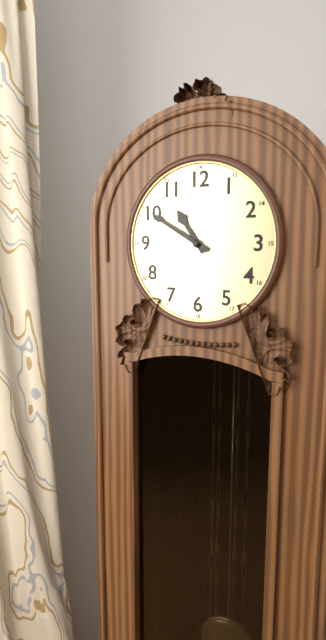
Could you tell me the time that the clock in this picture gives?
10:50
